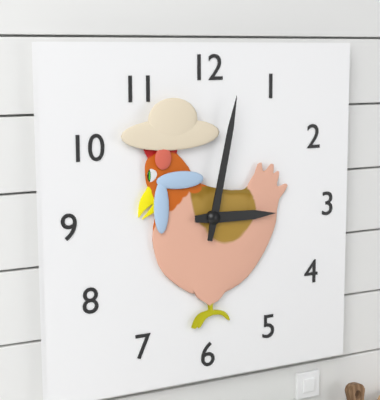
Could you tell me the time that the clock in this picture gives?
3:02
